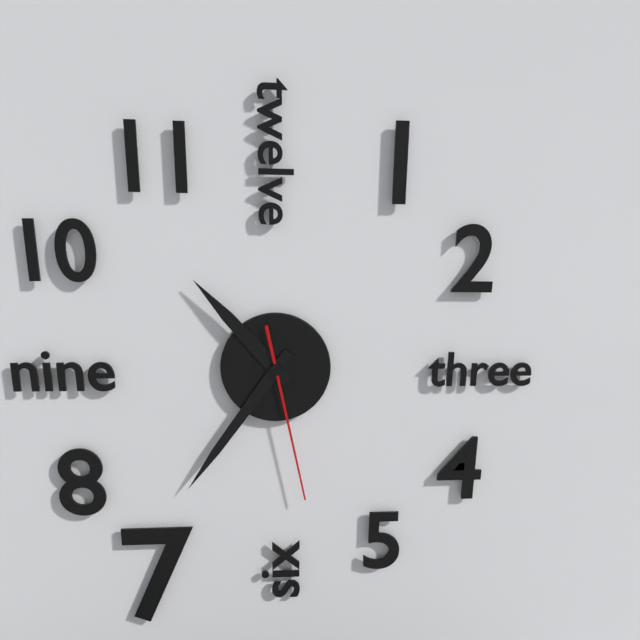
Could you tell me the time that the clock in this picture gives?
10:36:28
